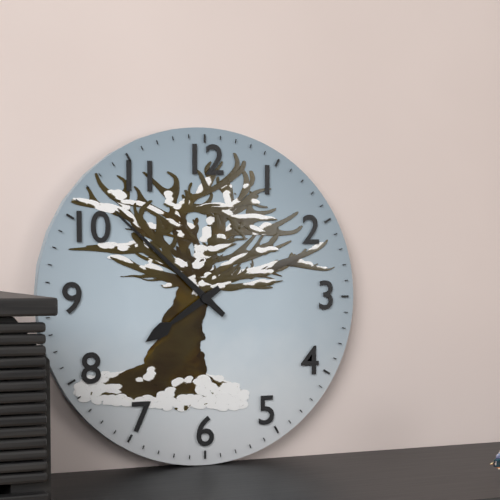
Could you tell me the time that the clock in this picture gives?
7:52
